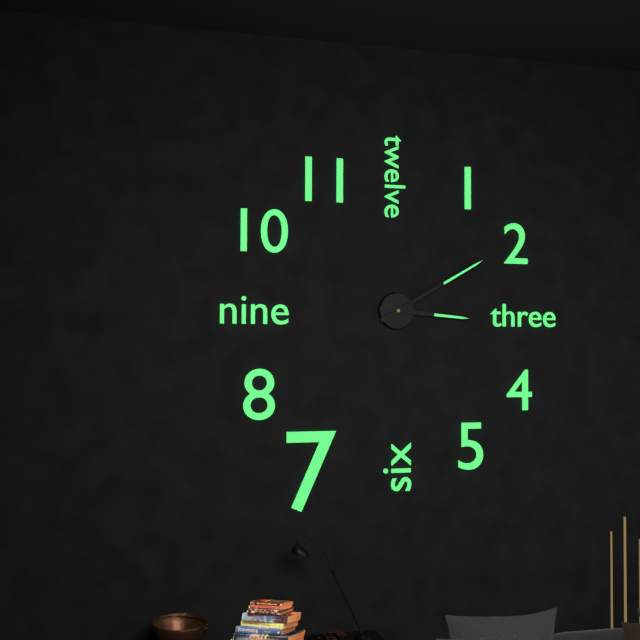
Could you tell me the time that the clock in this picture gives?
3:10
